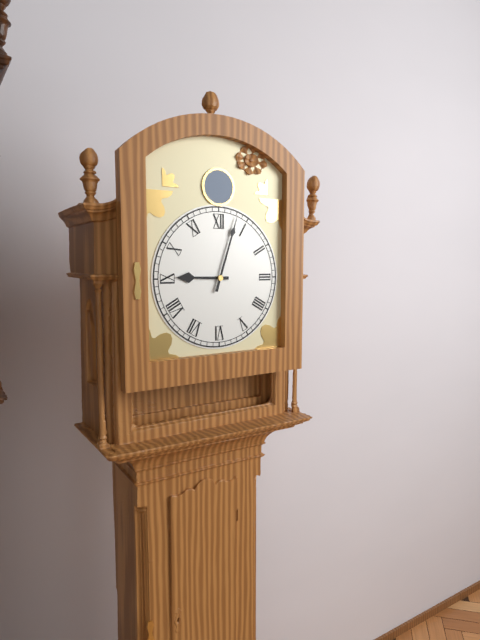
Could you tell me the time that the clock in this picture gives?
9:03
